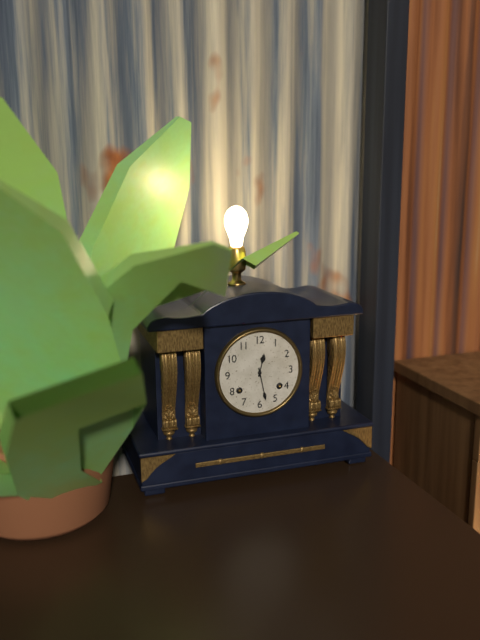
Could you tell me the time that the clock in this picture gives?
12:28
